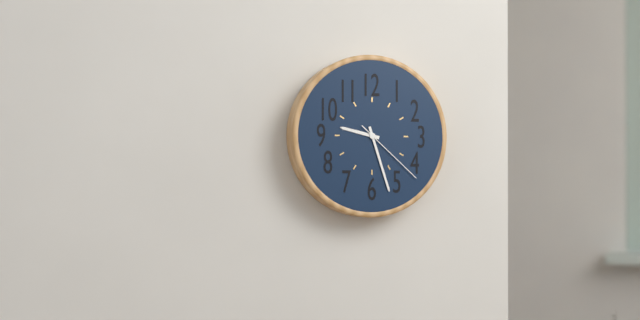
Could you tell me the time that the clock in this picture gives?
9:27:22
